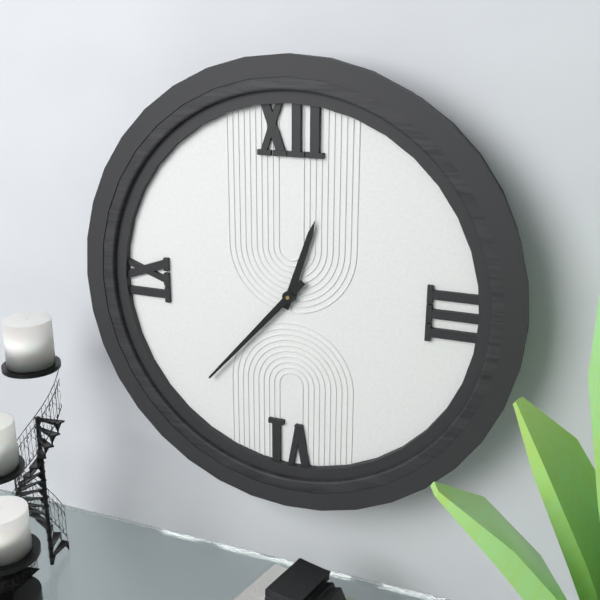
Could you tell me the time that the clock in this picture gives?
12:37
